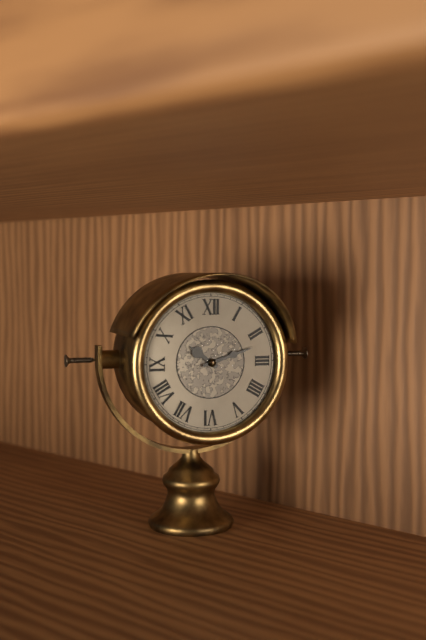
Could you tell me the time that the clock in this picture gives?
10:12
